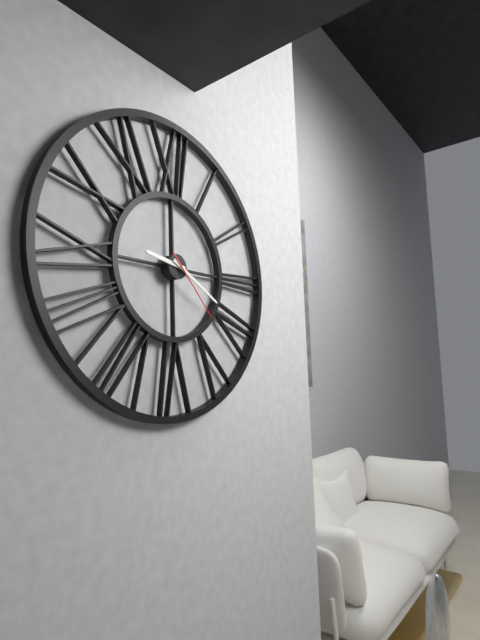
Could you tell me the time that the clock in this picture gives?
9:20:23
